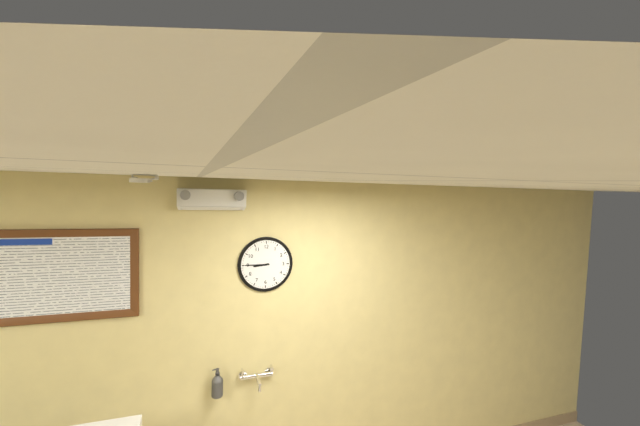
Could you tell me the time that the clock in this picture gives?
8:45
